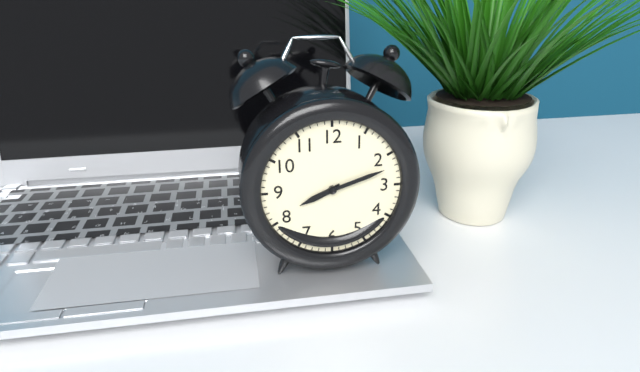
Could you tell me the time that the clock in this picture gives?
8:12
